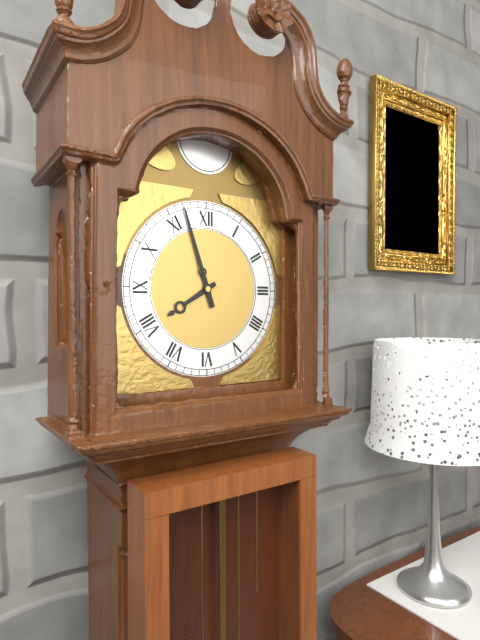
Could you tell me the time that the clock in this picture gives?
7:57
